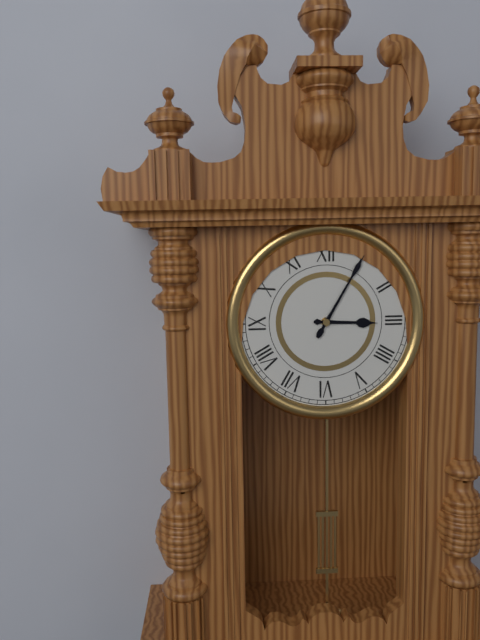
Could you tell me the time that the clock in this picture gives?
3:05
